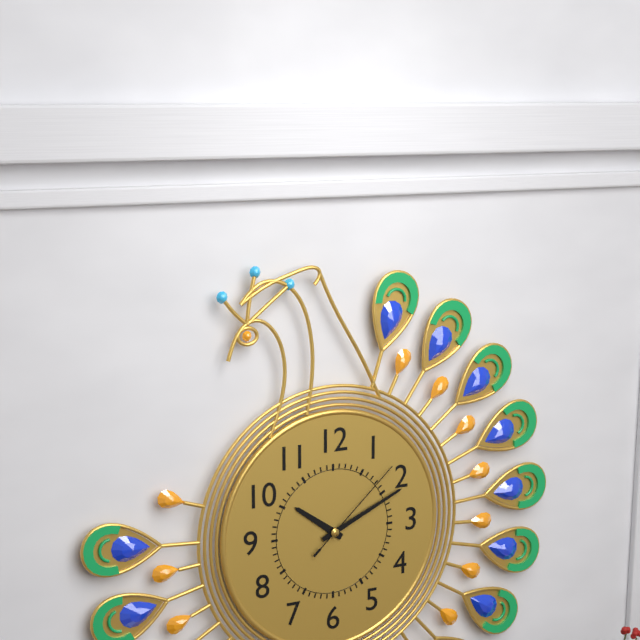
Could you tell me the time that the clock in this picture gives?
10:11:08
